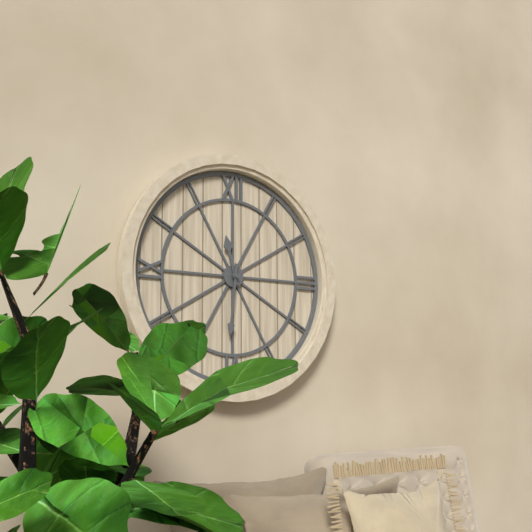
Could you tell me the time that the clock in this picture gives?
11:31
